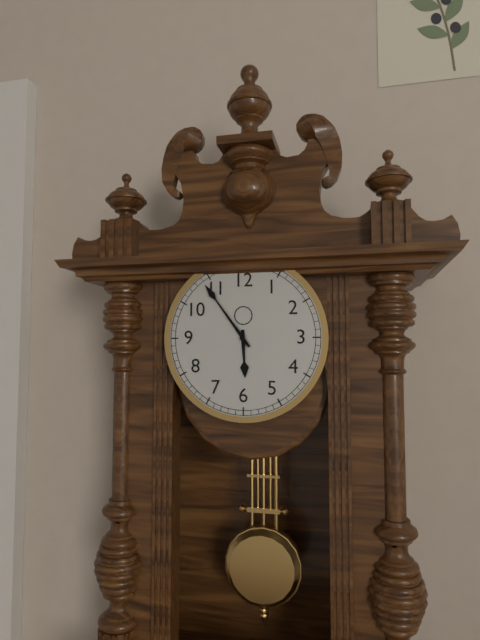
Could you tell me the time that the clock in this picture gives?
5:54
